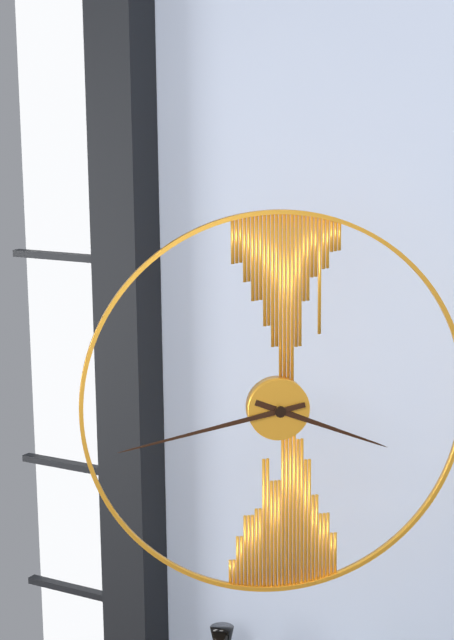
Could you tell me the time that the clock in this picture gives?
3:43
